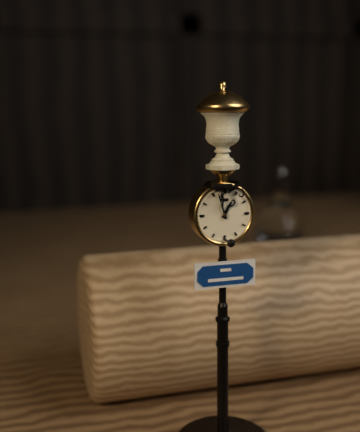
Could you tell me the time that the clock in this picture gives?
12:57
